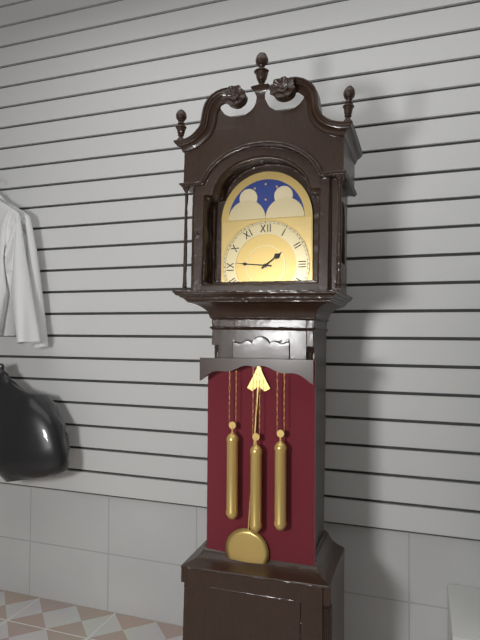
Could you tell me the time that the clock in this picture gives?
1:46
